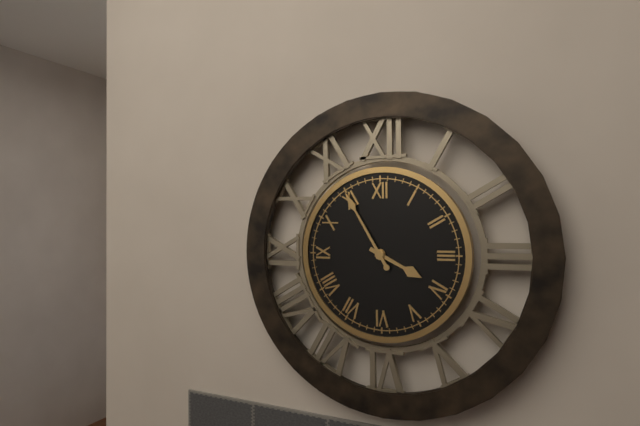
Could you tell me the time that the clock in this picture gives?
3:55
